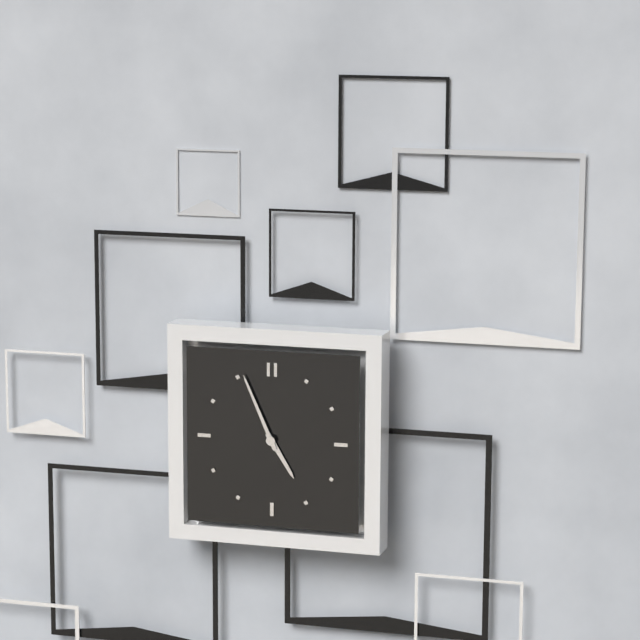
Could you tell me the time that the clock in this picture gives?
4:56
